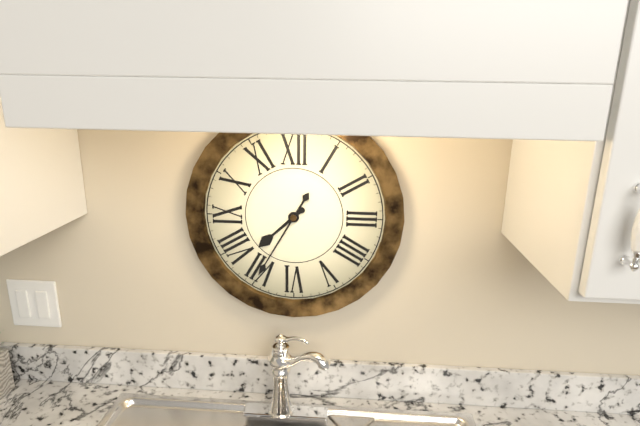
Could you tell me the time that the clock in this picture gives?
7:35
